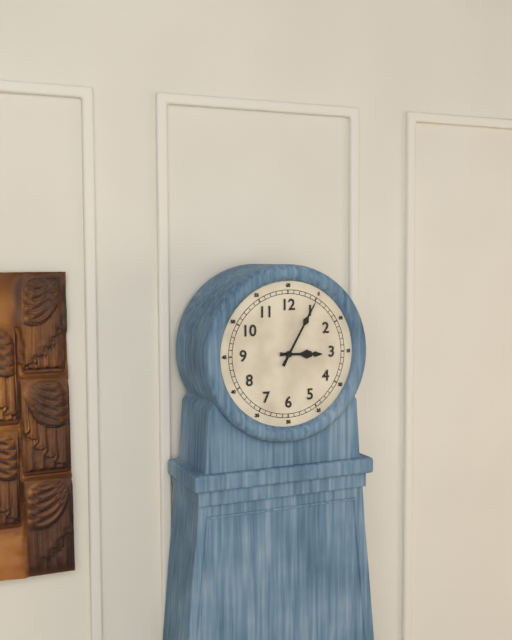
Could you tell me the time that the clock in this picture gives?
3:05
